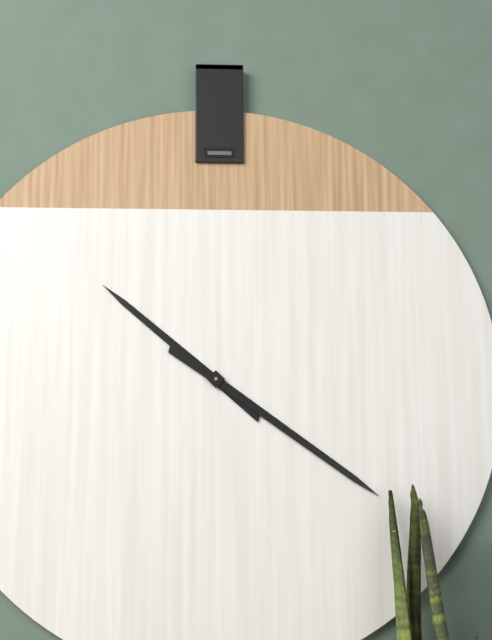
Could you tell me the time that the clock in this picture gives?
10:21
